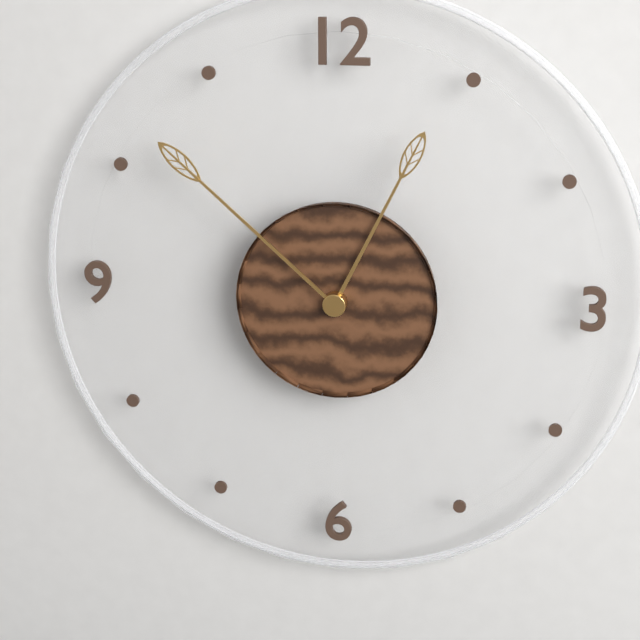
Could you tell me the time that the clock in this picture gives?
12:52
